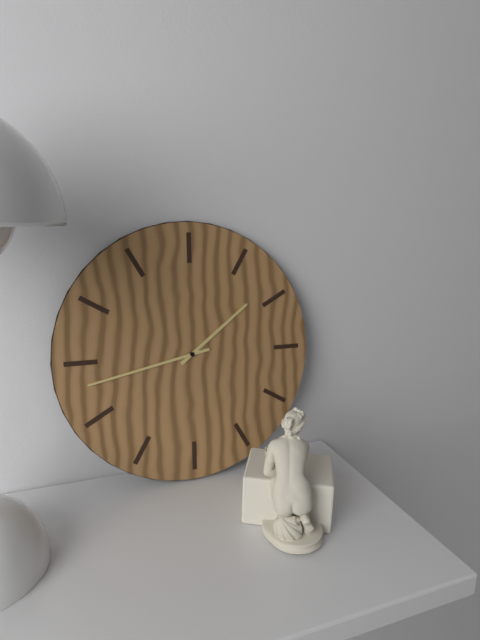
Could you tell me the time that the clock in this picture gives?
1:43
